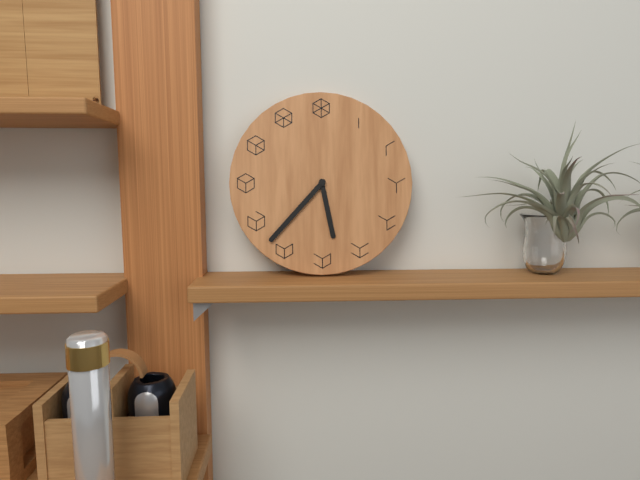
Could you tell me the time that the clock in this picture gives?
5:37
